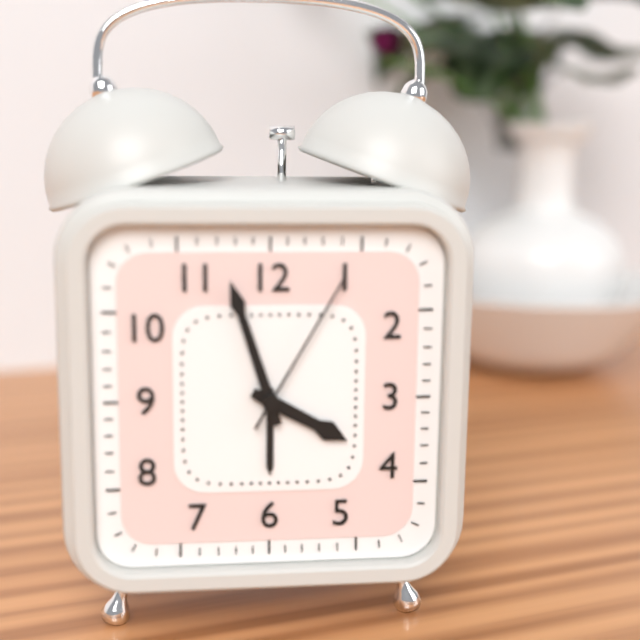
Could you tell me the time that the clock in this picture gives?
3:57:05
